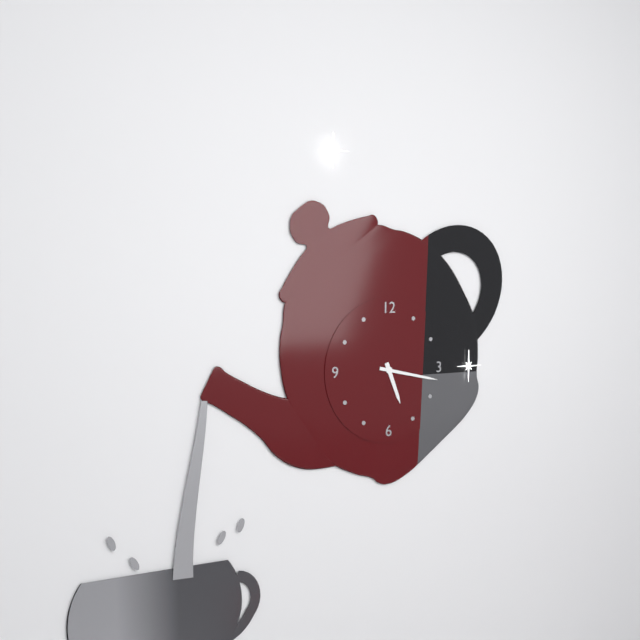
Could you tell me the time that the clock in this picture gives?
5:17
